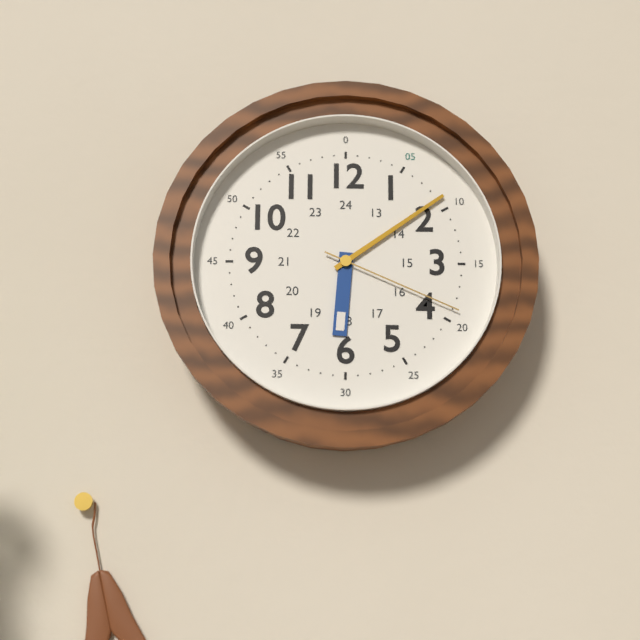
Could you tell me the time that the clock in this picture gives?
6:09:19
